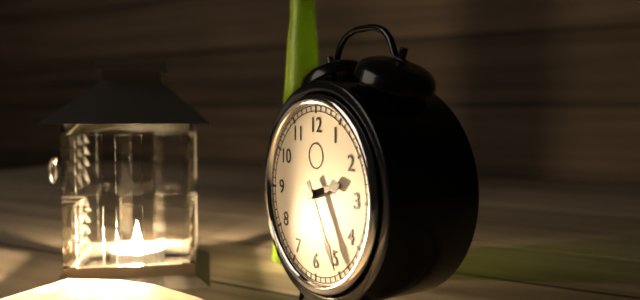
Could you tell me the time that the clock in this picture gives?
2:25
